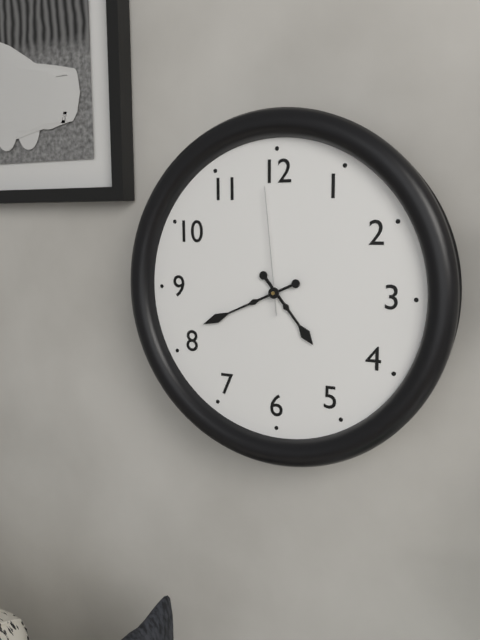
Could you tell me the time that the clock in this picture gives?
4:41:59
